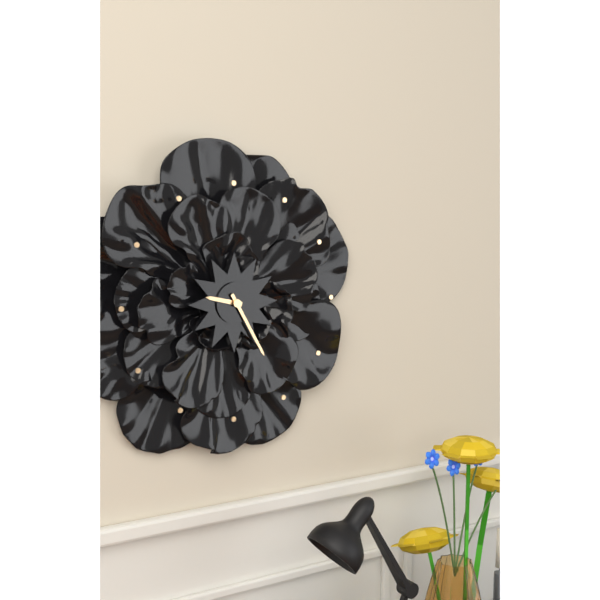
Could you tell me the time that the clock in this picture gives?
9:25
